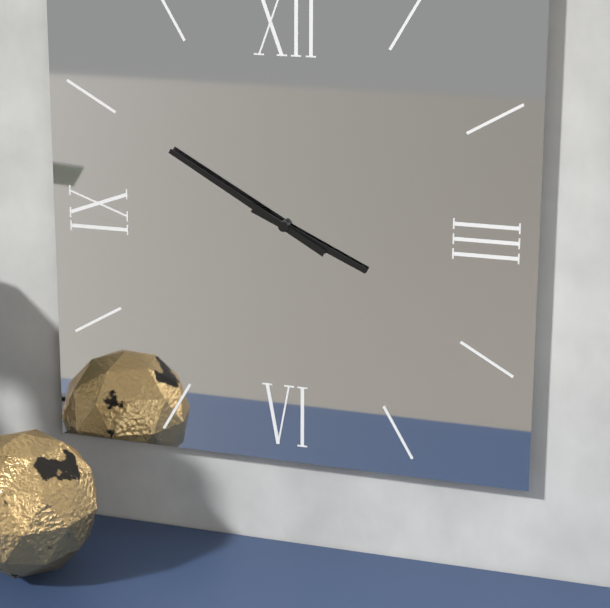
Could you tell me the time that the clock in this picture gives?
3:50
